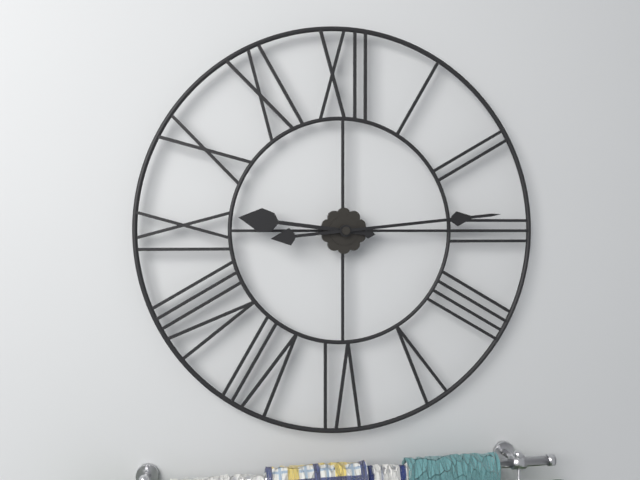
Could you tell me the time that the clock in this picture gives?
9:14
